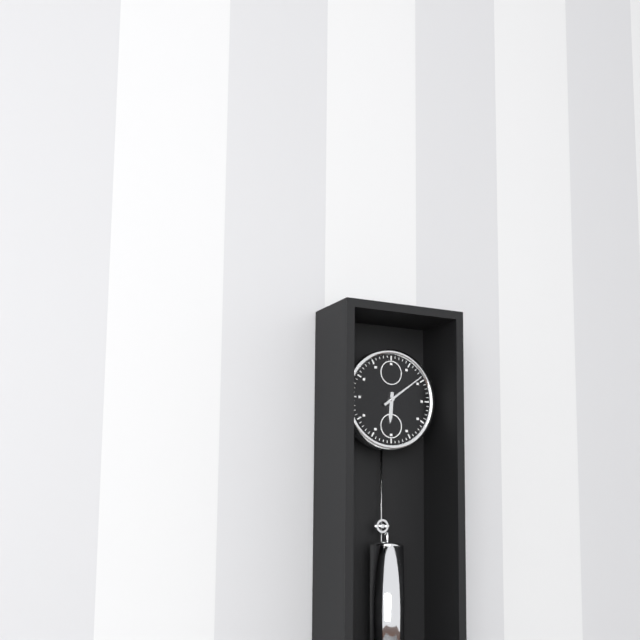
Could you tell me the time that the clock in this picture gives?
6:09
